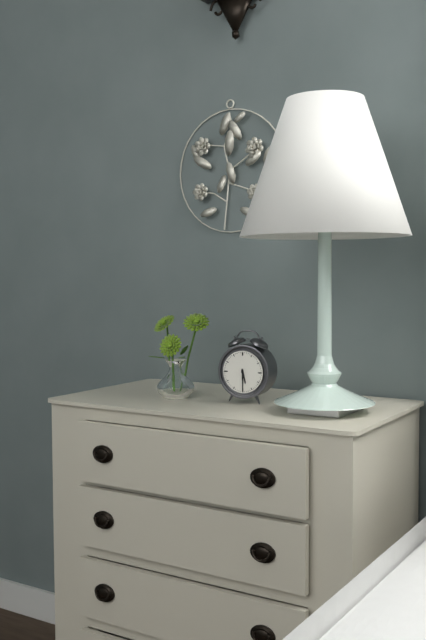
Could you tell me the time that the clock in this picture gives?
5:30
